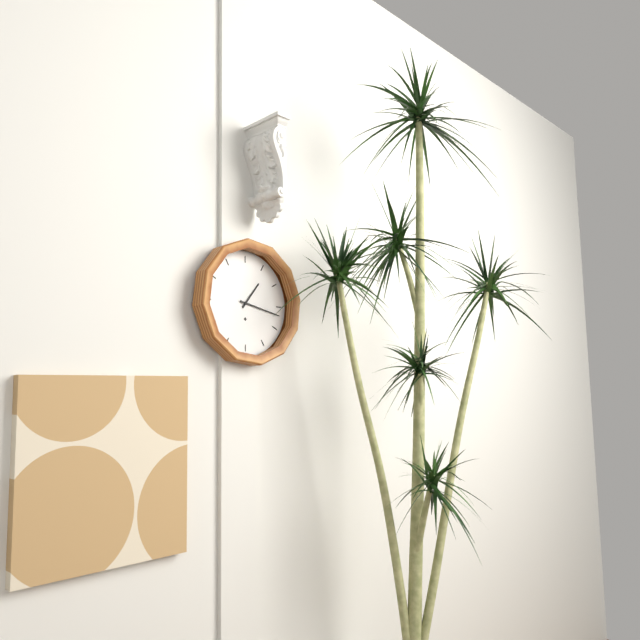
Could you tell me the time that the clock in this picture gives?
1:17
